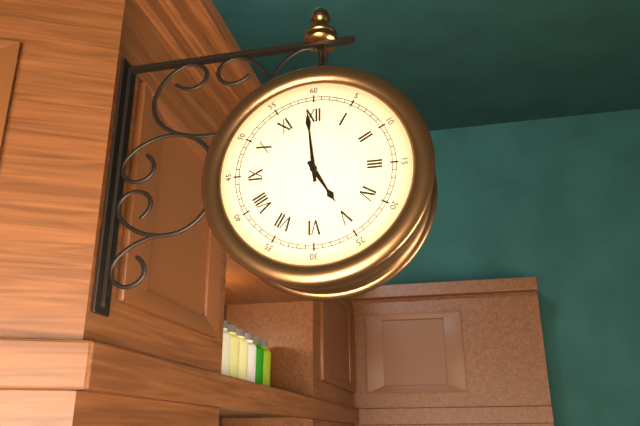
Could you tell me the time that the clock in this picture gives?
4:59
